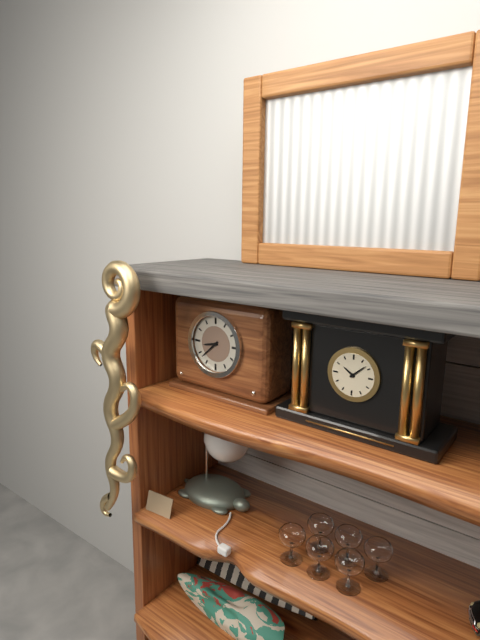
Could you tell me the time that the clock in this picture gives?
8:38
